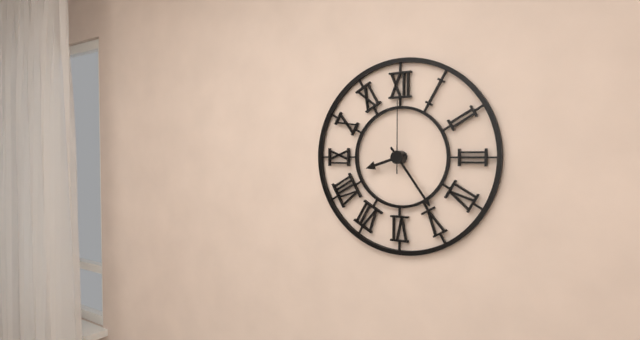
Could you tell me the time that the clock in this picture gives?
8:24:00
